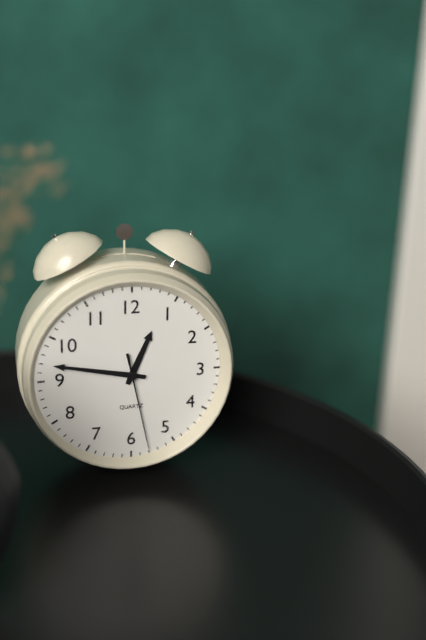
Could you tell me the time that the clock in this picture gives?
12:47:28
